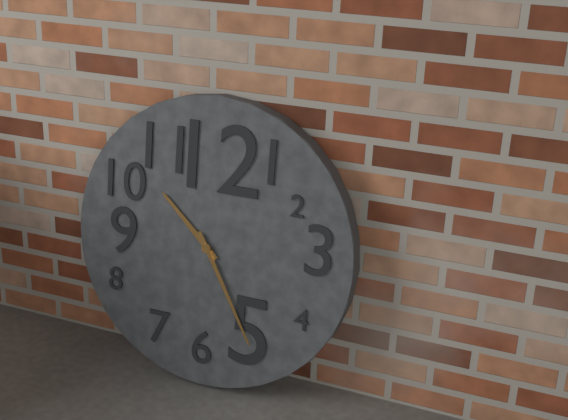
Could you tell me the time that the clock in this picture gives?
10:25
